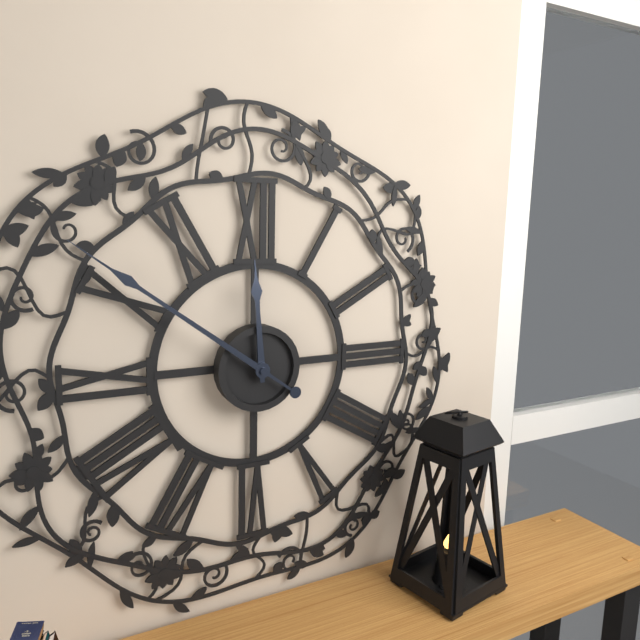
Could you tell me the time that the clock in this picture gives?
11:51
